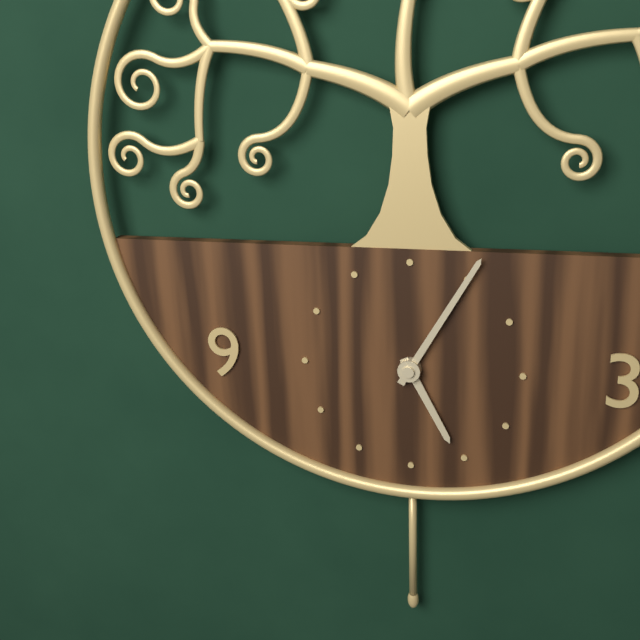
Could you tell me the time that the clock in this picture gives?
5:05
